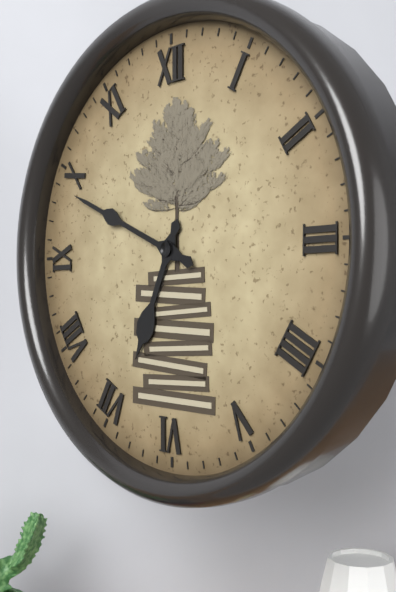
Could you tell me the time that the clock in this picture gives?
6:49
